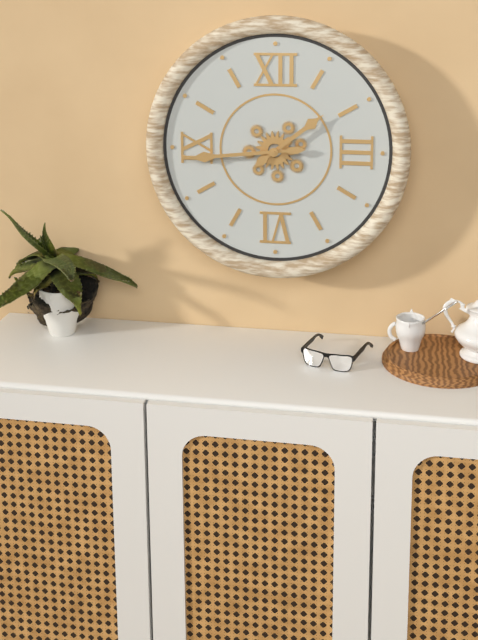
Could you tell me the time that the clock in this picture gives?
1:44
